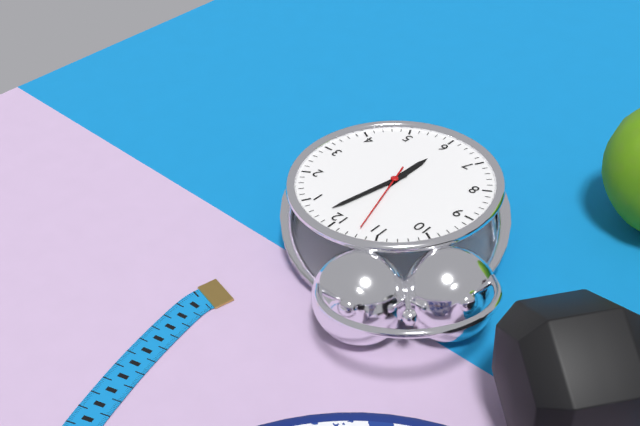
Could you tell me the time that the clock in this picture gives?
6:02:57
